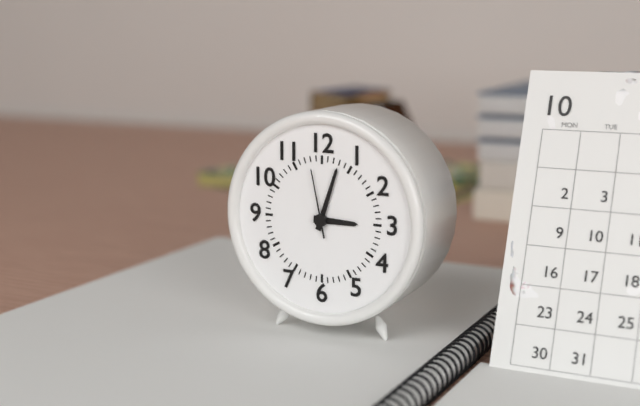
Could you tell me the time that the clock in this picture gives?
3:03:58
